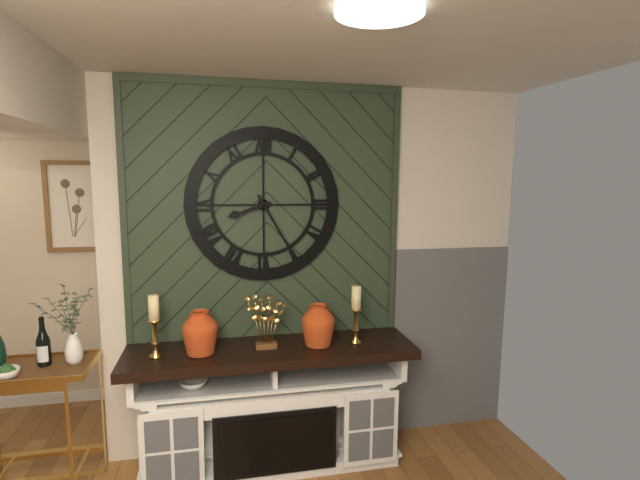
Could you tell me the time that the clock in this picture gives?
8:25
